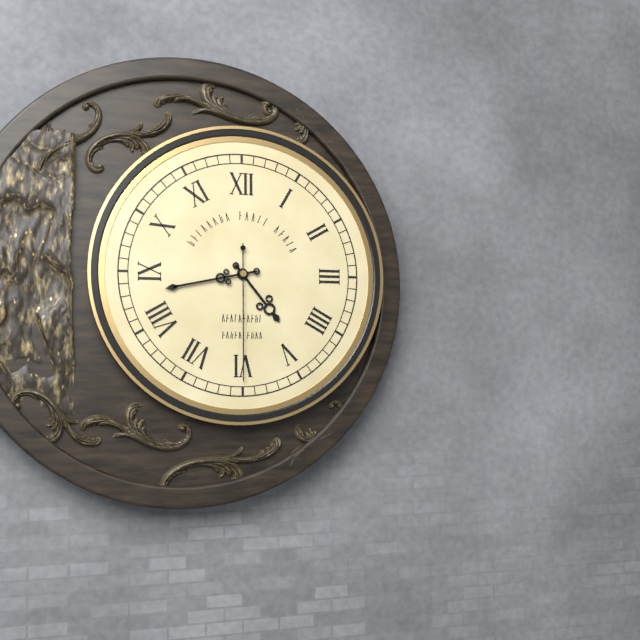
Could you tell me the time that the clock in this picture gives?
4:43:30
